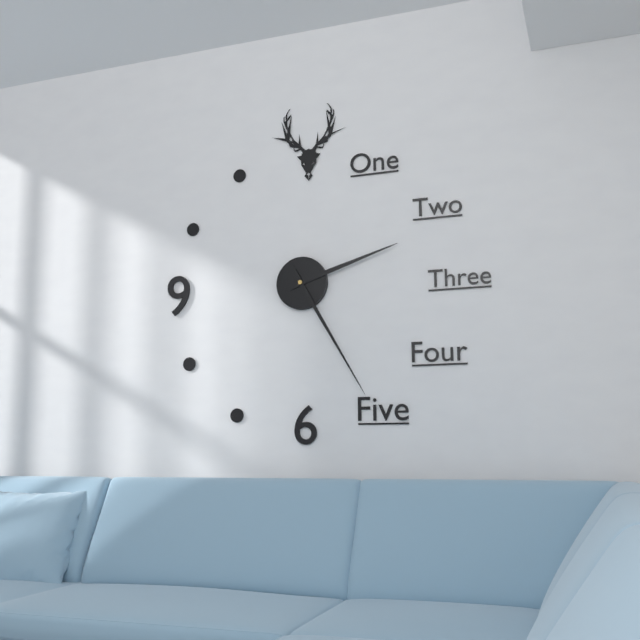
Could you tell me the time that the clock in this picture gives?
2:25
